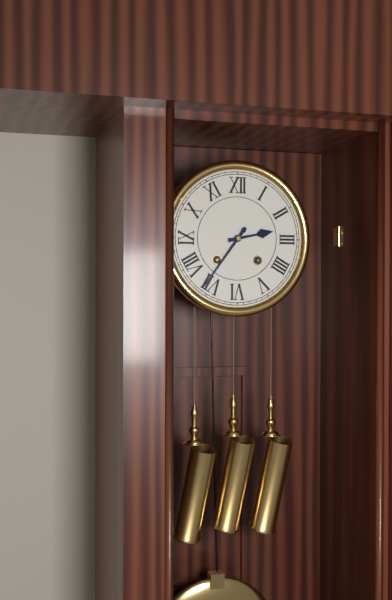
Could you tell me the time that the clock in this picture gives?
2:36
